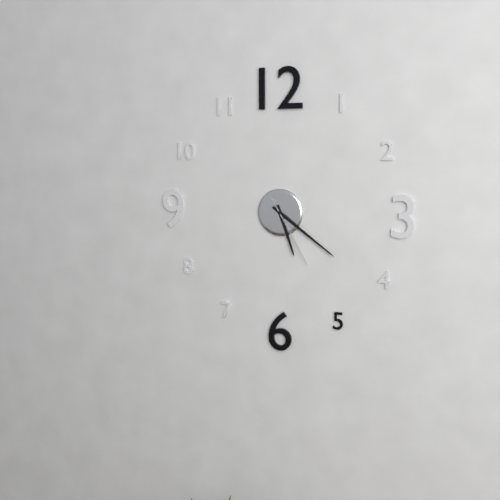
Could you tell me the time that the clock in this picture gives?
5:21:25
